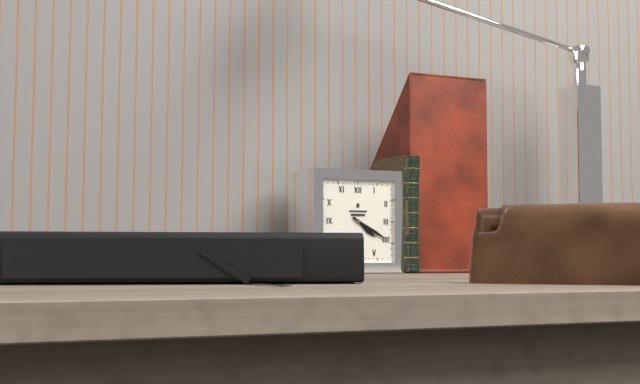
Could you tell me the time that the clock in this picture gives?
4:20
